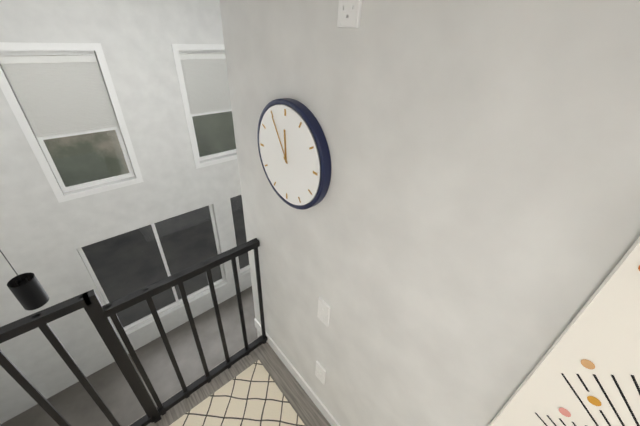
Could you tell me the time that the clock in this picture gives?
11:55
